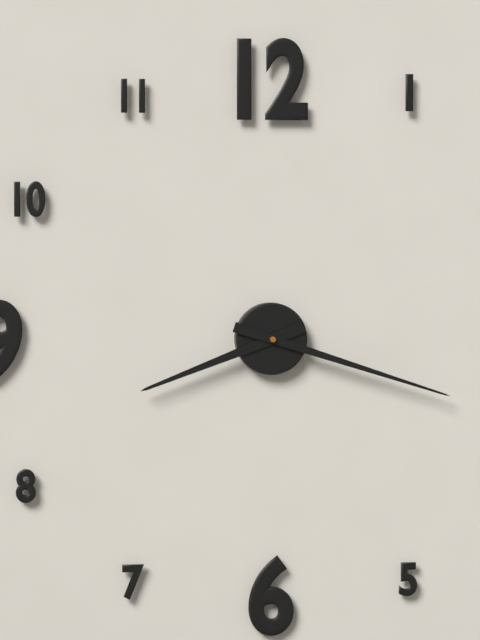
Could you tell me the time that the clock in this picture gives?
8:18
